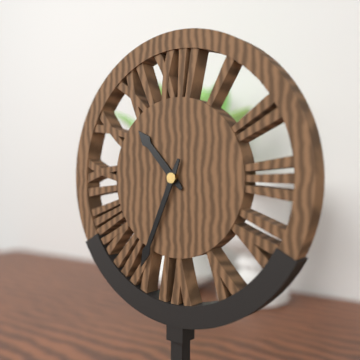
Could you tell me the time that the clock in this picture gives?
10:34
